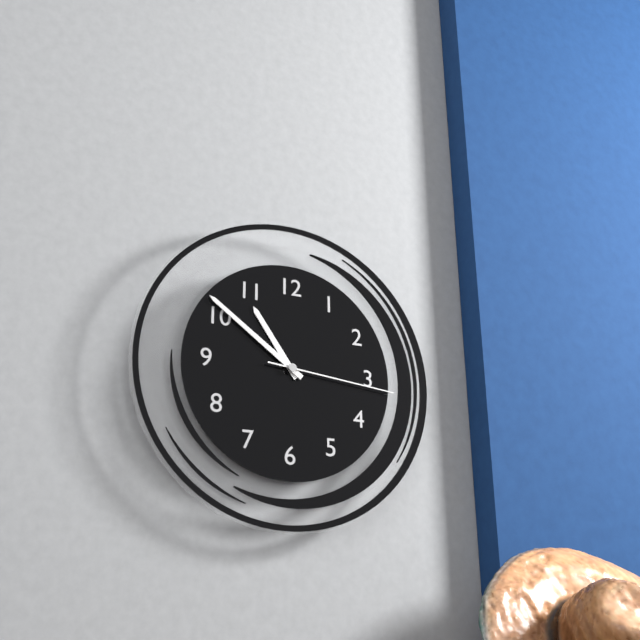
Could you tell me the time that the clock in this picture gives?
10:51:16
